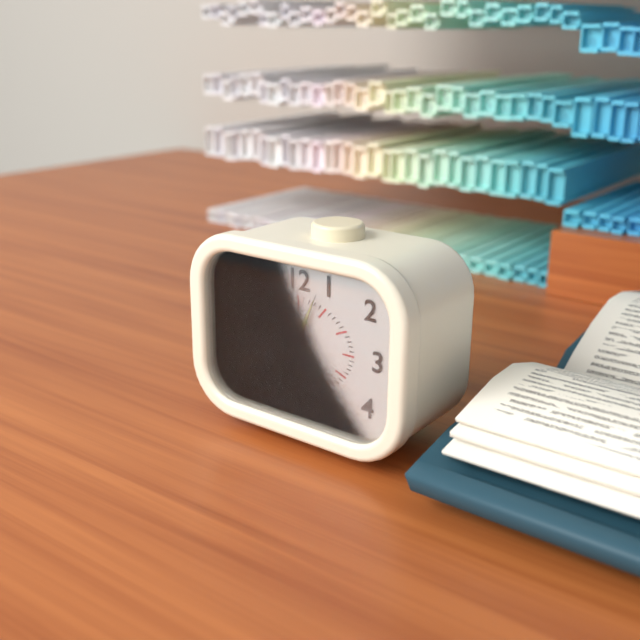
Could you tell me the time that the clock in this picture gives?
12:04:32
